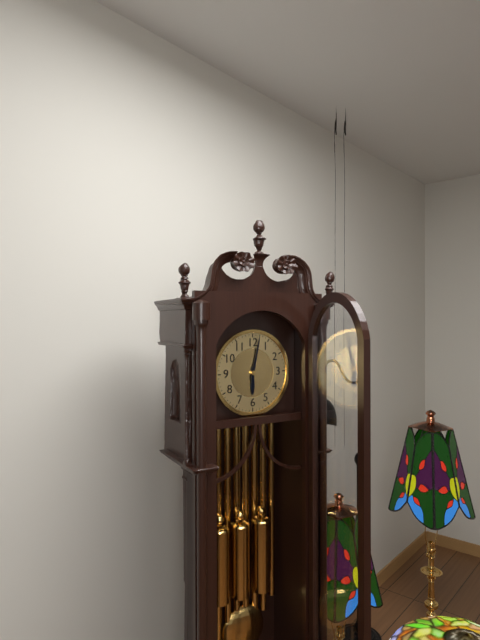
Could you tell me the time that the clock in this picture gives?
6:02
